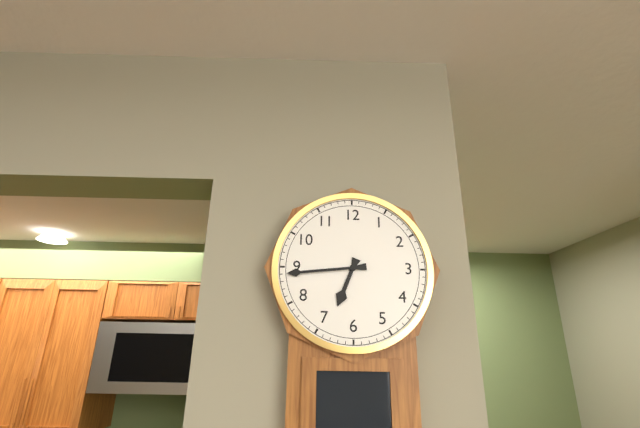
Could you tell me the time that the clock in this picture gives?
6:44
